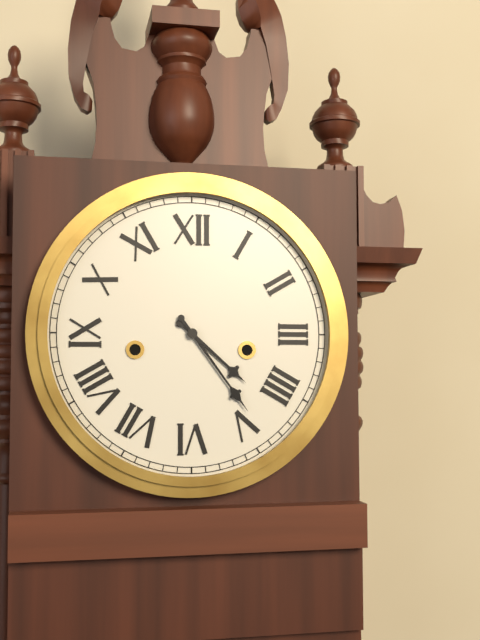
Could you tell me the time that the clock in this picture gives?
4:24
